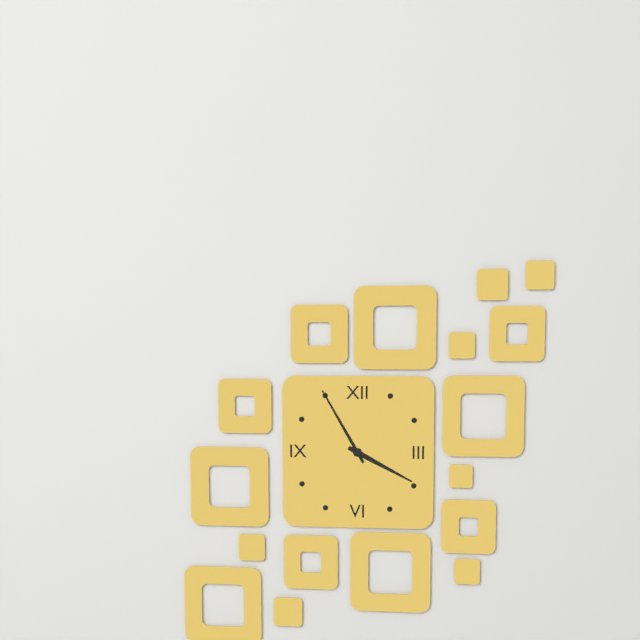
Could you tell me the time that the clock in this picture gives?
3:55
